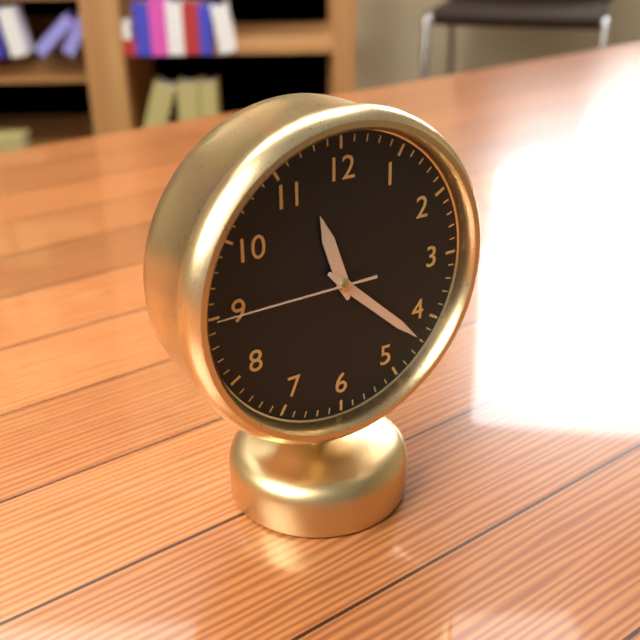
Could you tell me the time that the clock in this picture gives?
11:22:45
